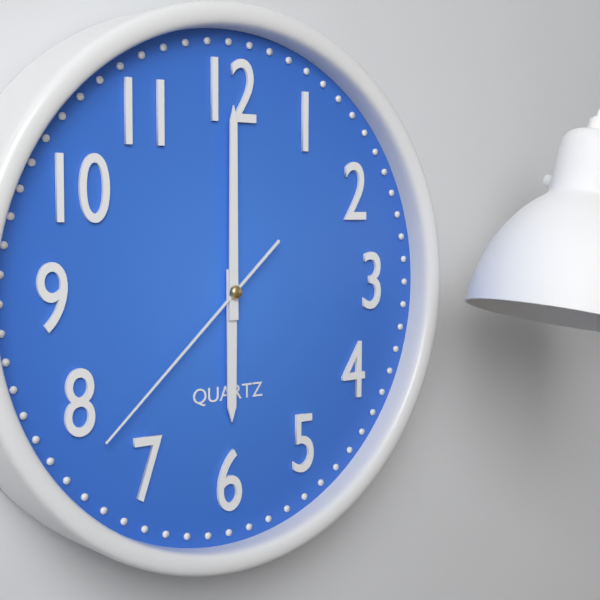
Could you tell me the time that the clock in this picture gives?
6:00:38
